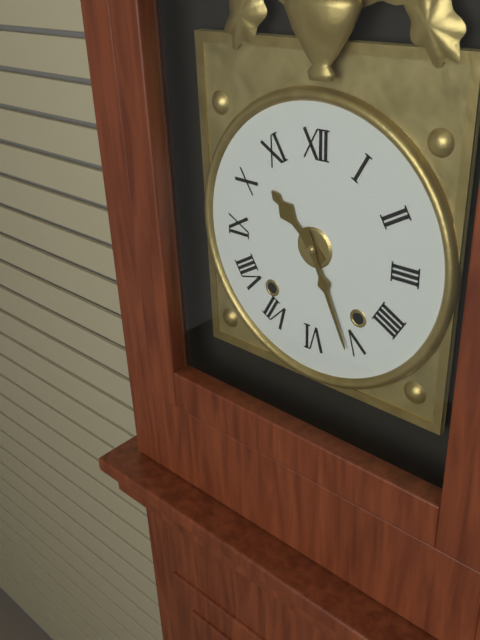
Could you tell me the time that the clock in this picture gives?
10:26
